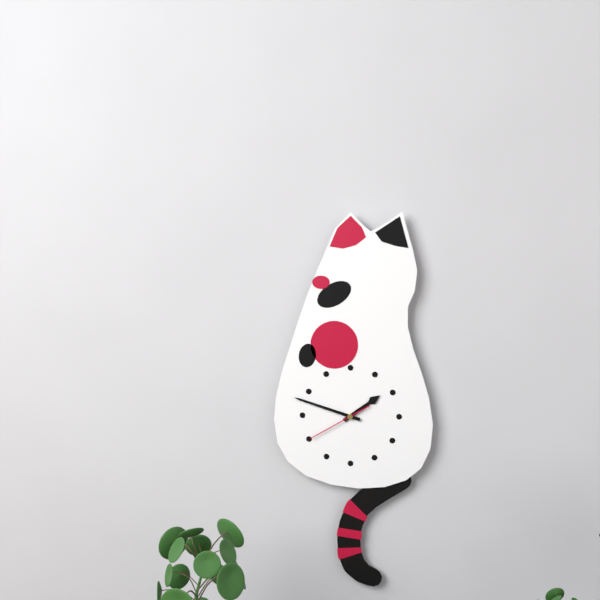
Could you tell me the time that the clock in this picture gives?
1:48:40
